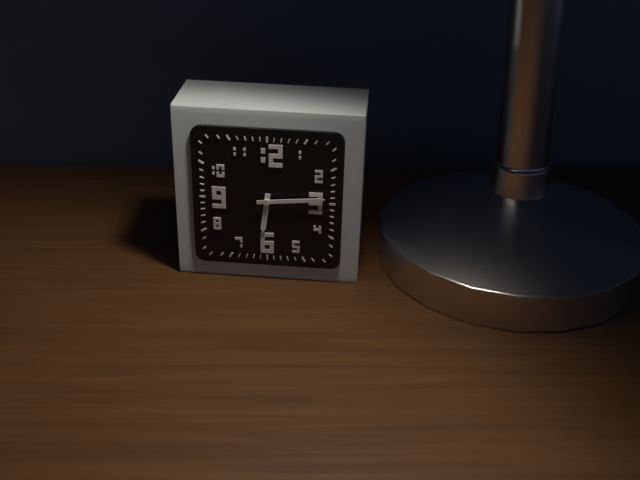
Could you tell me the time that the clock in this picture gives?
6:14
